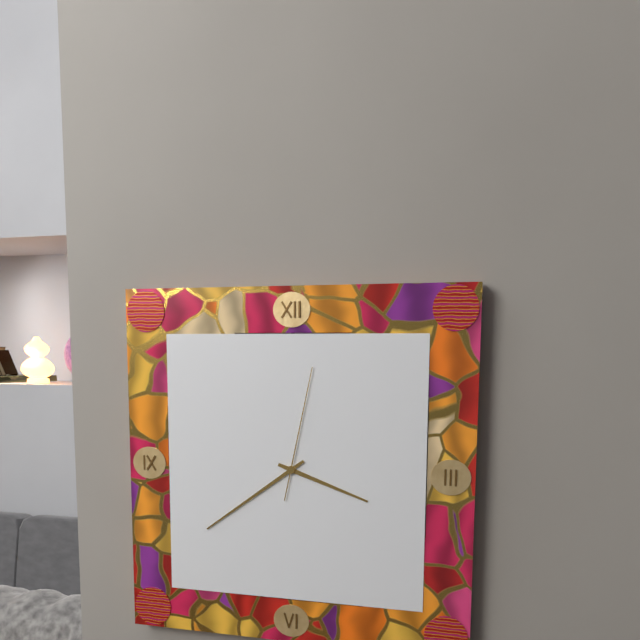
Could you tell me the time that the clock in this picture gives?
3:39:02
